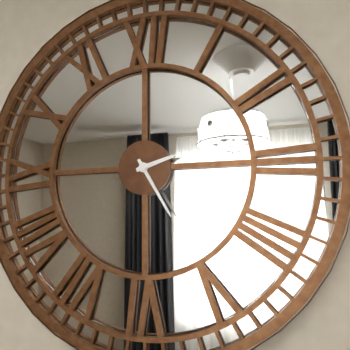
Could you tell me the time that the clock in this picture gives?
2:25
